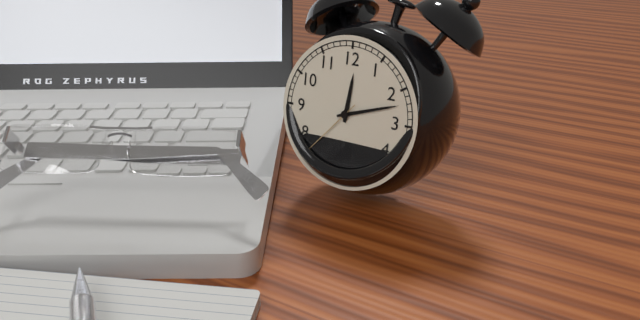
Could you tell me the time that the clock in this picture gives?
12:12:37
